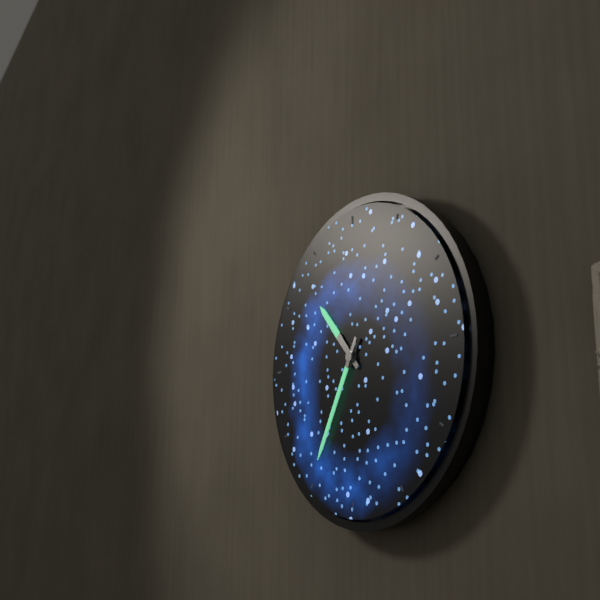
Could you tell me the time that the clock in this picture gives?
10:35
